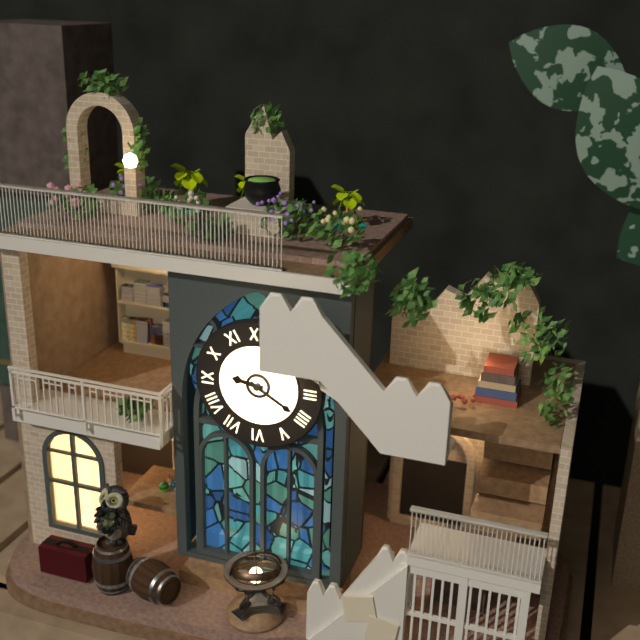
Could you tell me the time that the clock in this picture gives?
9:20
